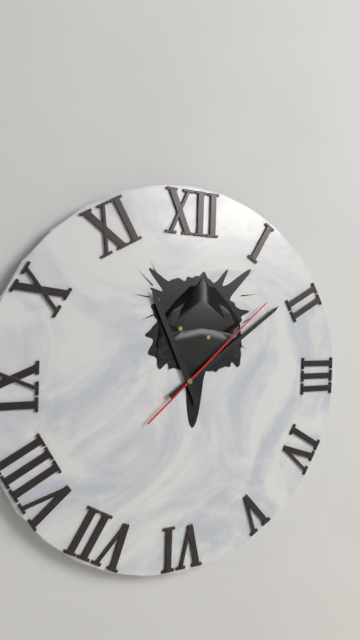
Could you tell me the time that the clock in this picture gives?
11:09:08
